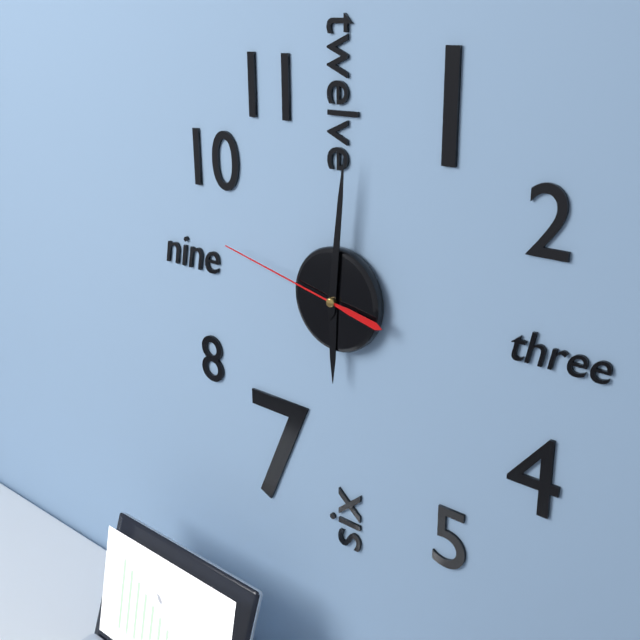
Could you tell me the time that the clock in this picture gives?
6:01:47
